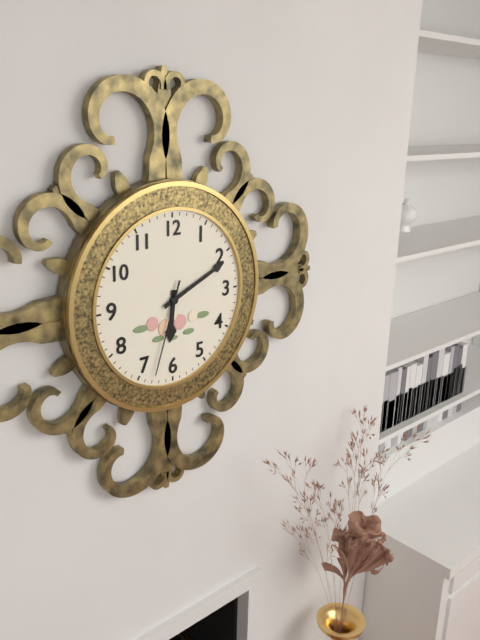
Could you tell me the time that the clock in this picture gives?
6:11:33
